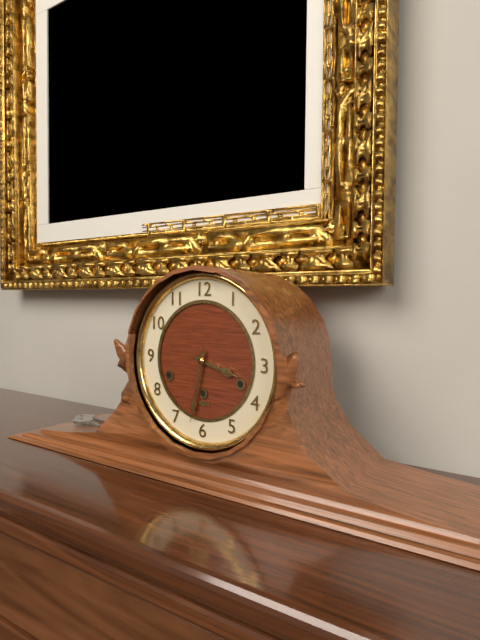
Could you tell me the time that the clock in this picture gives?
3:32
